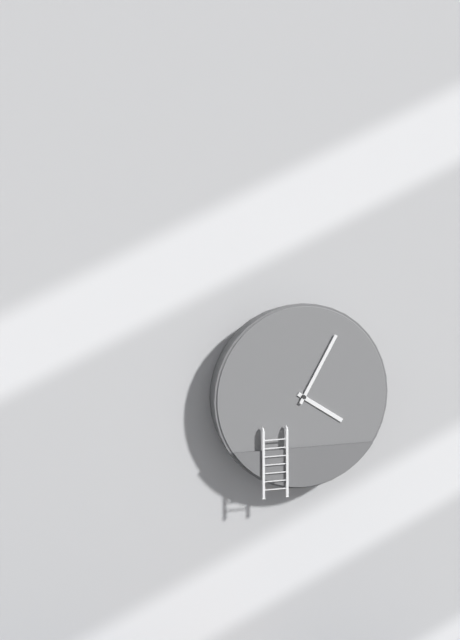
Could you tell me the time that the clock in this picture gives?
4:05
